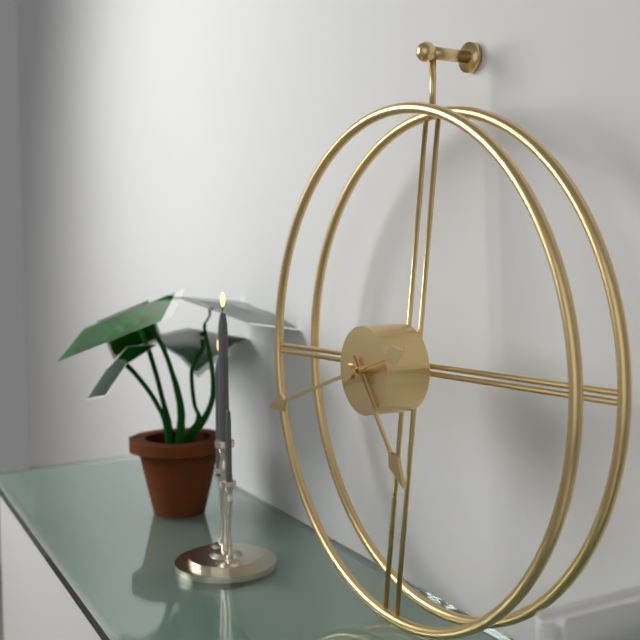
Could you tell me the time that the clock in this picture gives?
4:42
